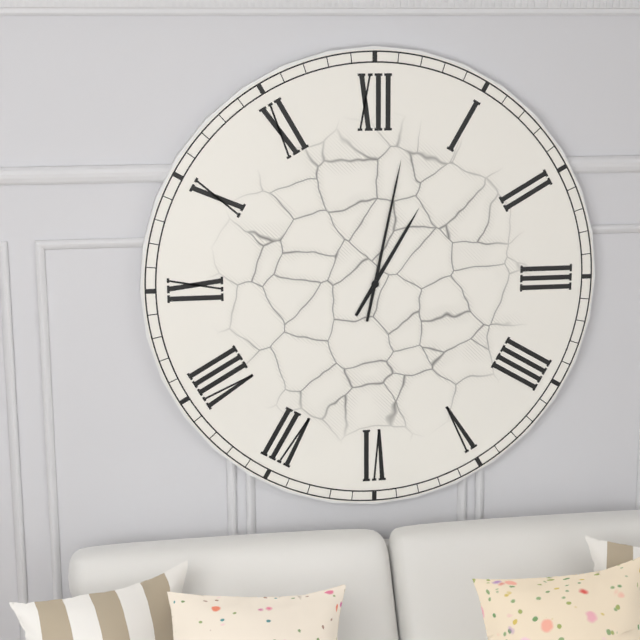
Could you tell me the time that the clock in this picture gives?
1:02
